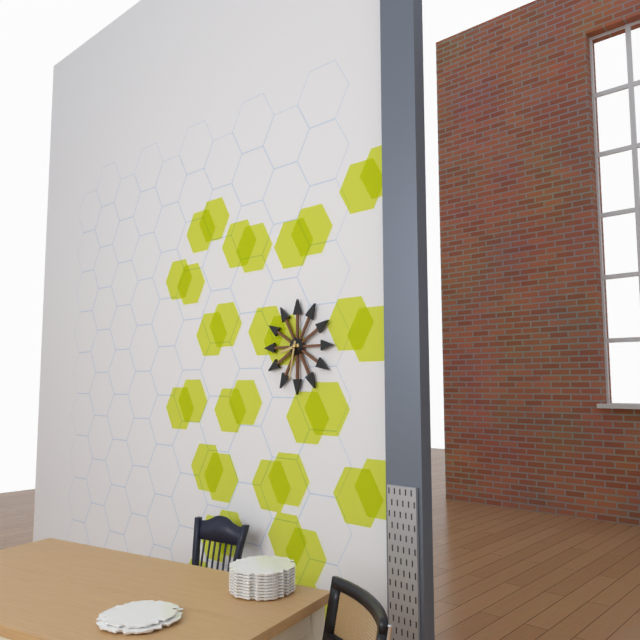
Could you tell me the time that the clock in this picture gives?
8:32
